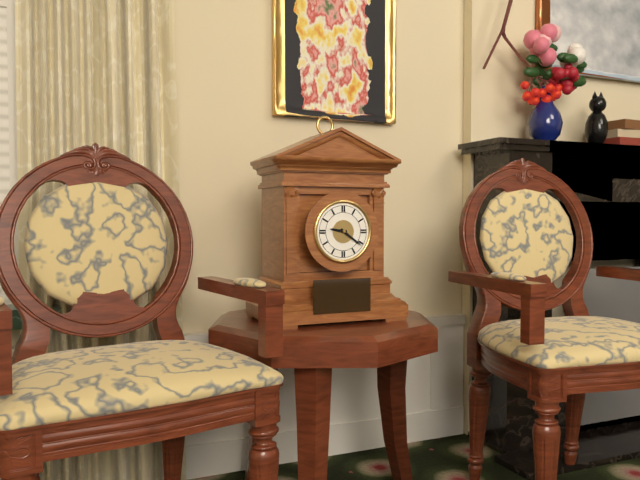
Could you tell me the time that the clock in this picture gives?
9:21
